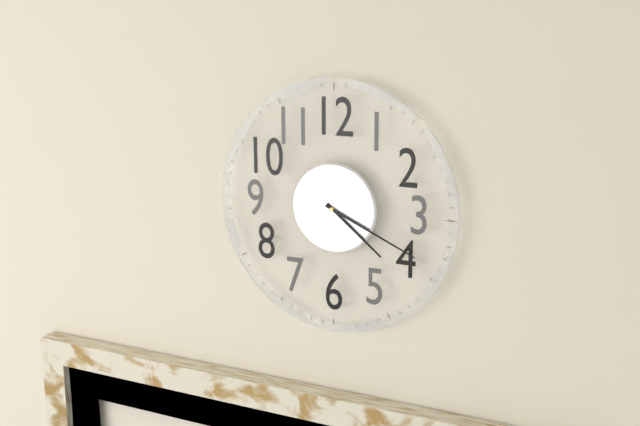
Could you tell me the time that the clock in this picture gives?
4:19
